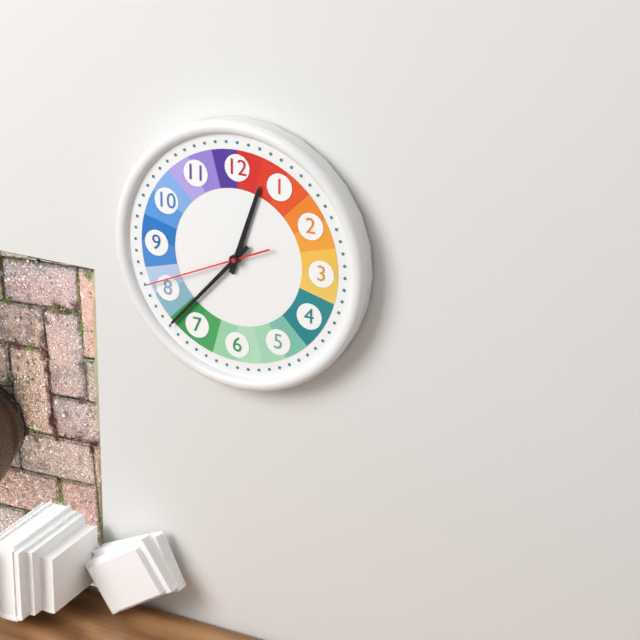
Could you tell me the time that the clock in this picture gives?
12:37:41
